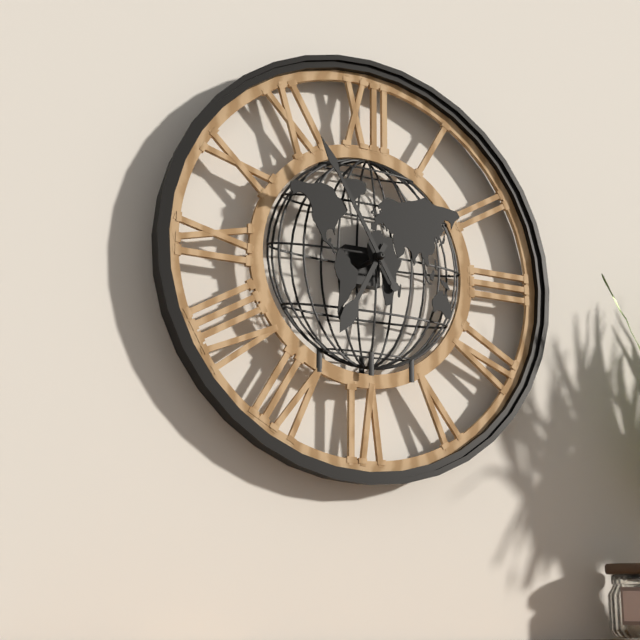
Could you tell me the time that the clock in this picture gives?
6:55
